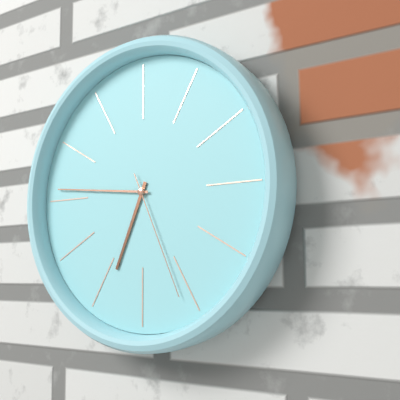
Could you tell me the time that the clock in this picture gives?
6:46:26
